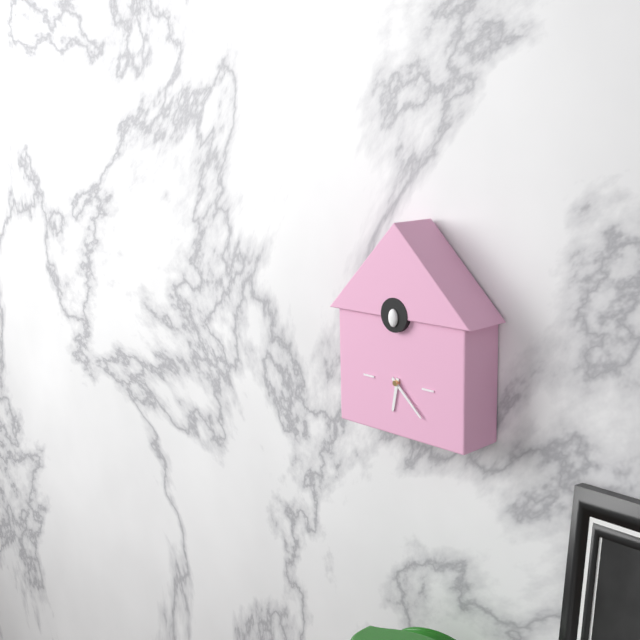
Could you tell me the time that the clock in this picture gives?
6:22
